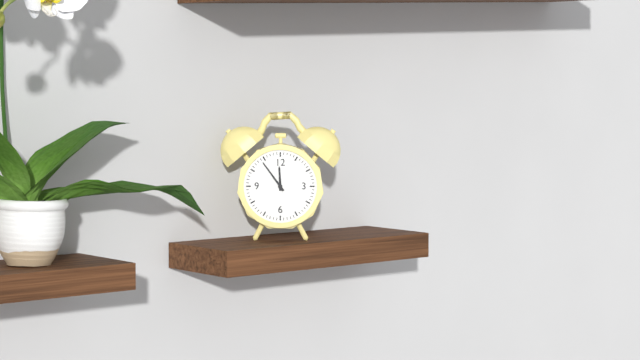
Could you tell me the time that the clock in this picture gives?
11:54
